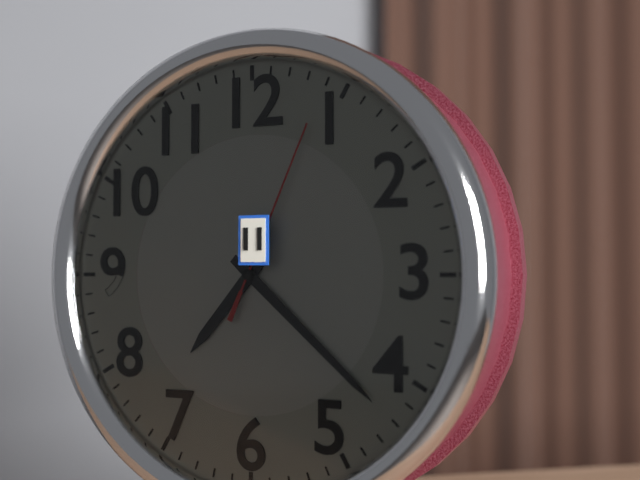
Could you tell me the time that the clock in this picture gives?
7:22:04
